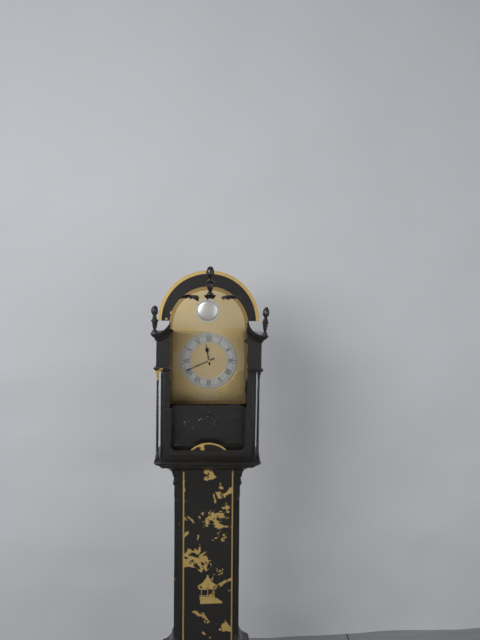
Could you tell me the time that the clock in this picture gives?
11:41
